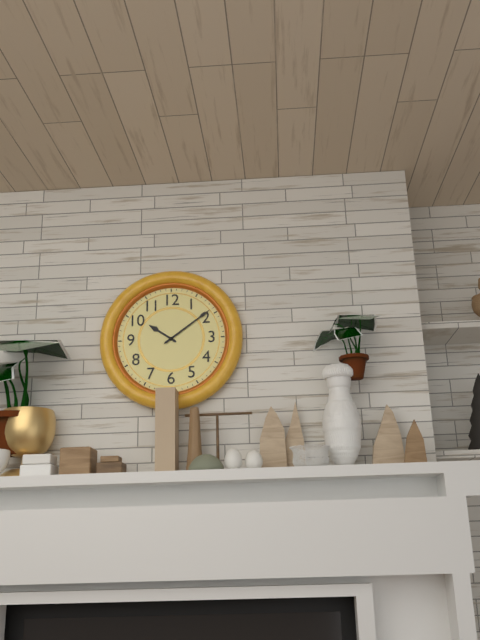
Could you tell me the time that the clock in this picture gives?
10:09
